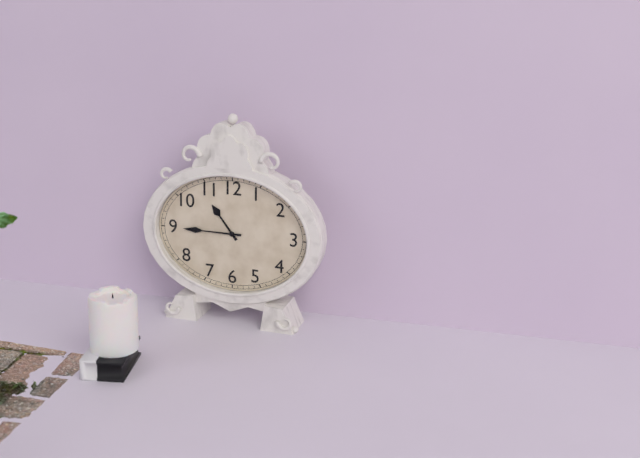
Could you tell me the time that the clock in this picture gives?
10:45
